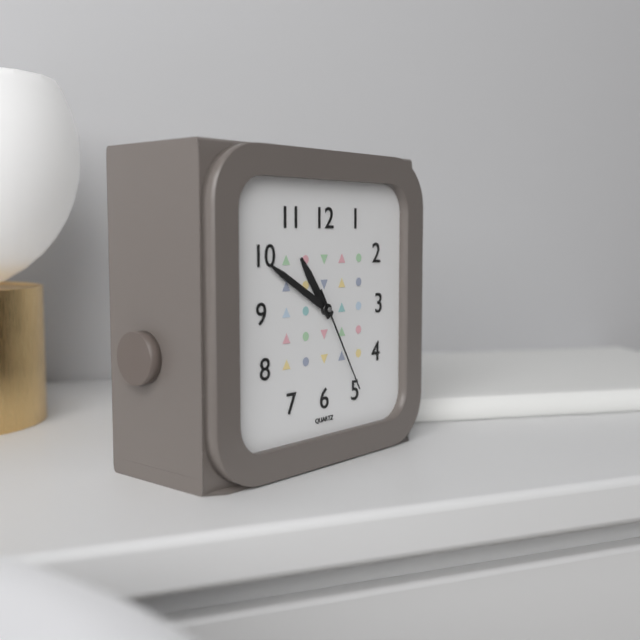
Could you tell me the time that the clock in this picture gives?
10:50:25
